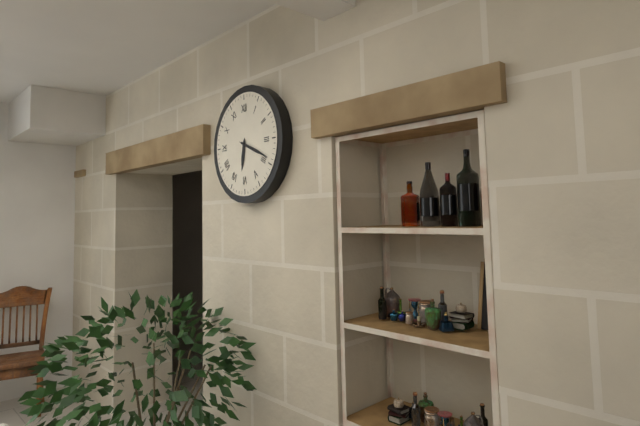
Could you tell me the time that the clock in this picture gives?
6:19
